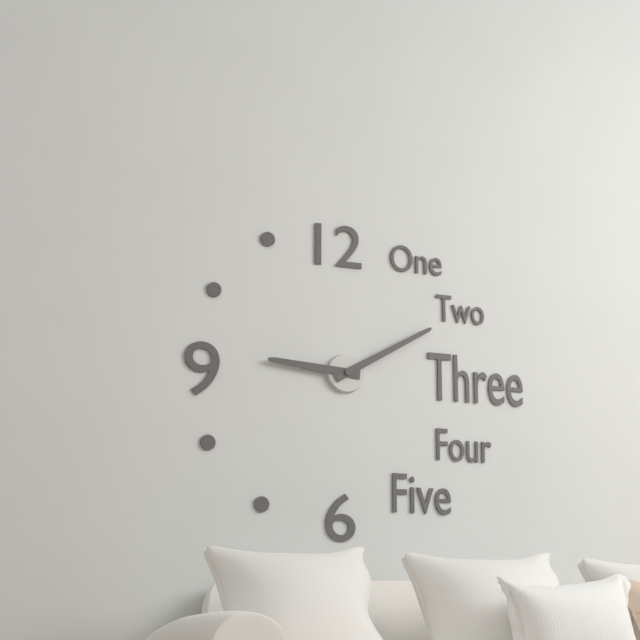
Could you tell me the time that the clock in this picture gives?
9:10
